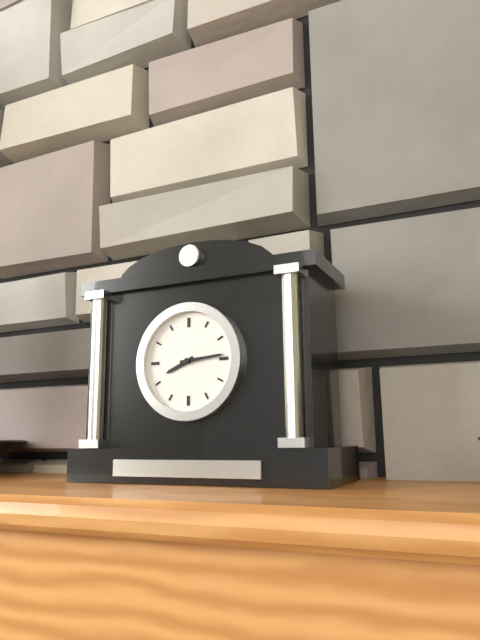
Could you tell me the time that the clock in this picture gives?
8:14
